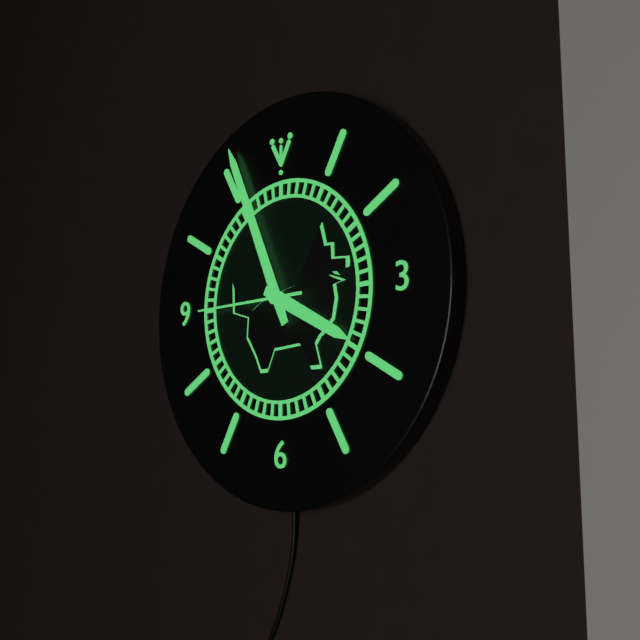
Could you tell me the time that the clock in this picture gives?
3:56:45
